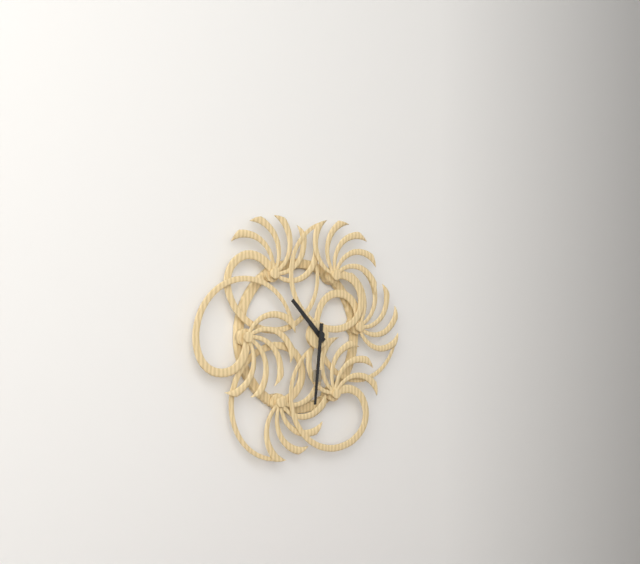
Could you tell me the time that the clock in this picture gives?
10:31
